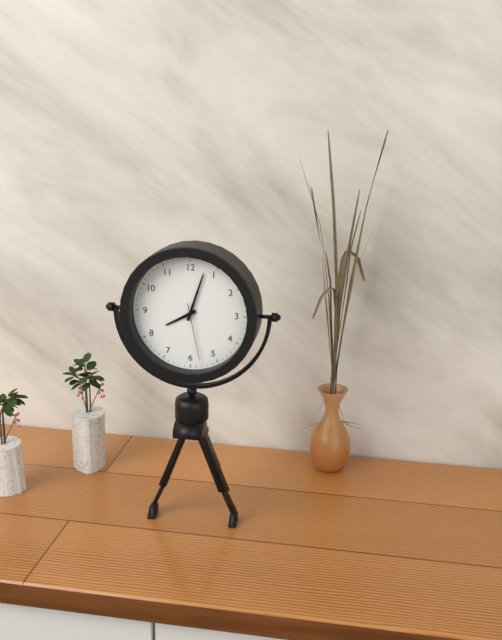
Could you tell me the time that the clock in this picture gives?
8:03:28
